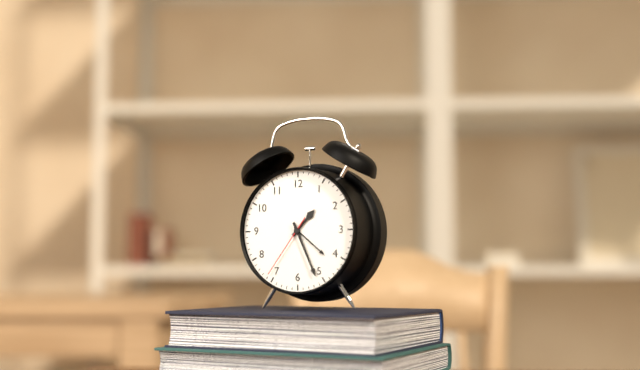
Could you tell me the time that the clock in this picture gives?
1:26:36
